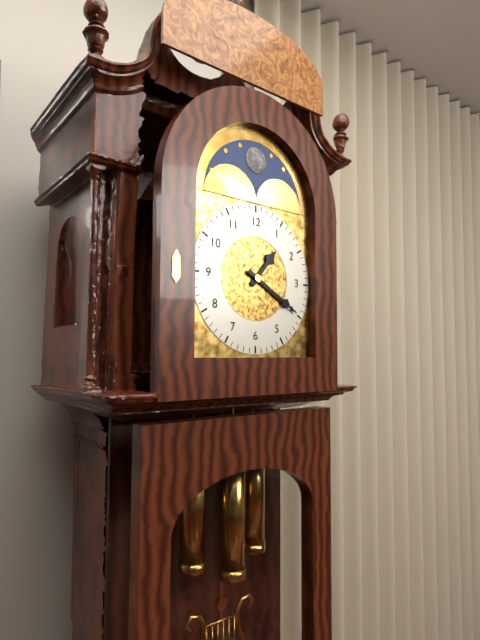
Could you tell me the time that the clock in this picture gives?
1:20
